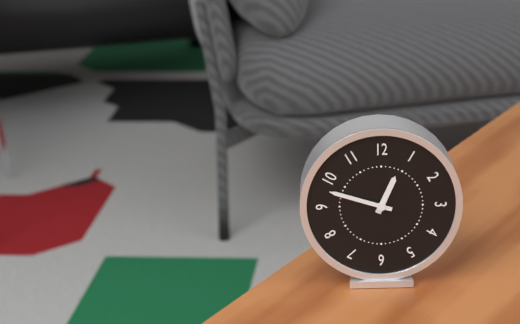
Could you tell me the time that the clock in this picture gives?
12:48
